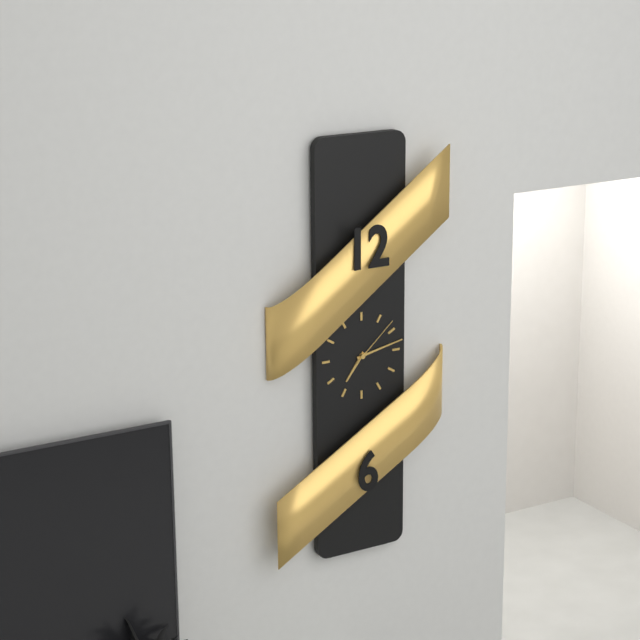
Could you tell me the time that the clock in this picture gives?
7:13:08
